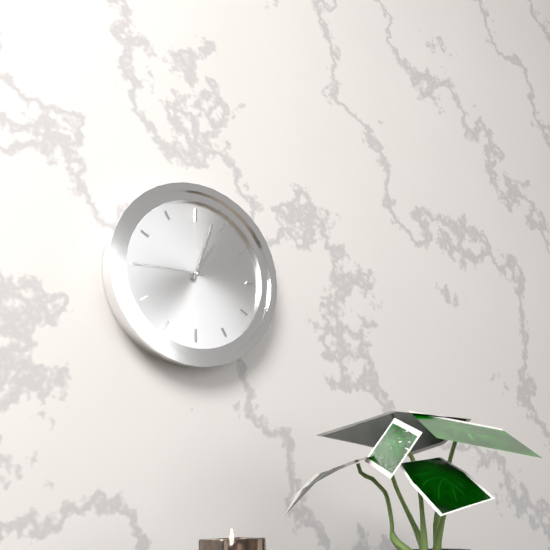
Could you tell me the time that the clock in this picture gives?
1:03:45
